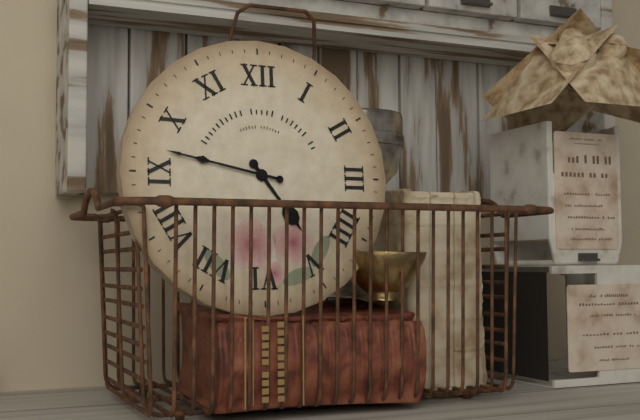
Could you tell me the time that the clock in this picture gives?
4:47
